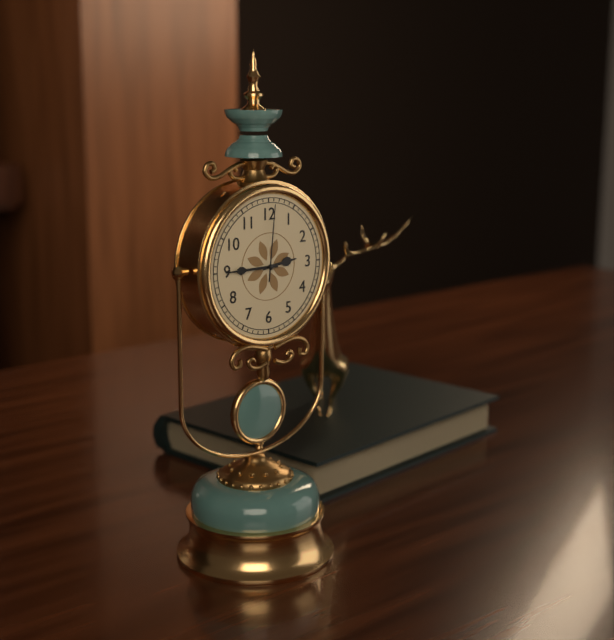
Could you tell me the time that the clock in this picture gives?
2:45:01
